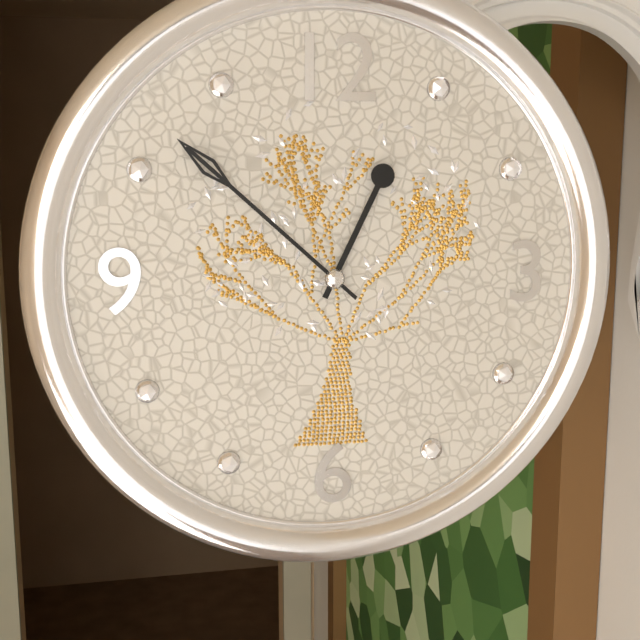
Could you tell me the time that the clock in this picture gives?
12:52
